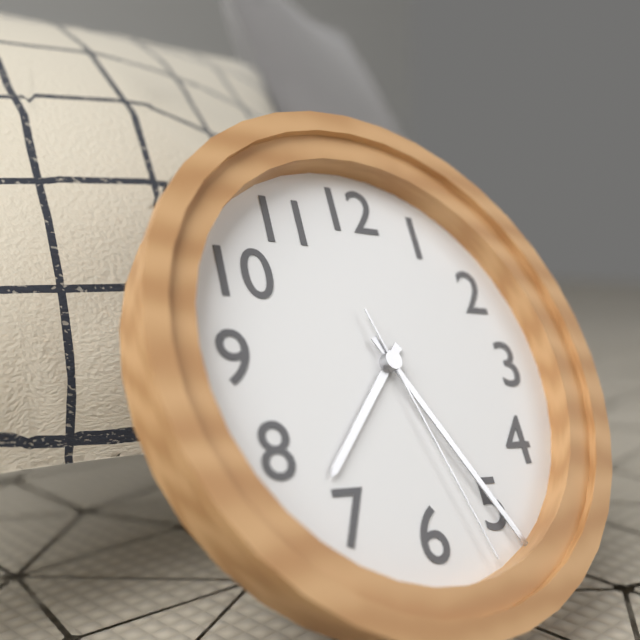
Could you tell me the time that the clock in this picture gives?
7:25:27
